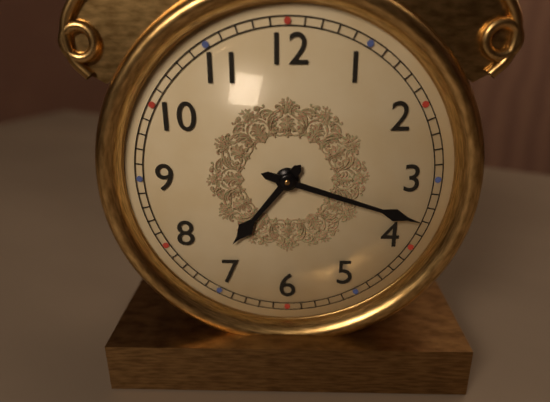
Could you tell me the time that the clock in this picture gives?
7:18
